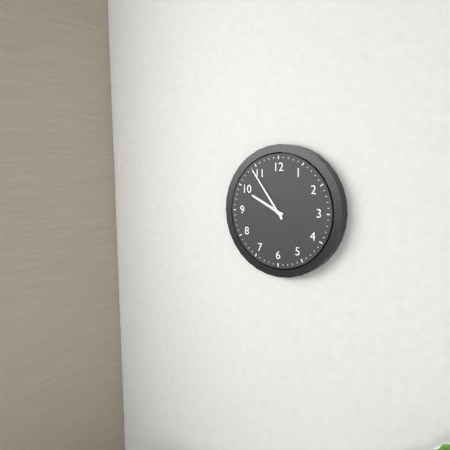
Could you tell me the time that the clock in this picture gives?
9:54
